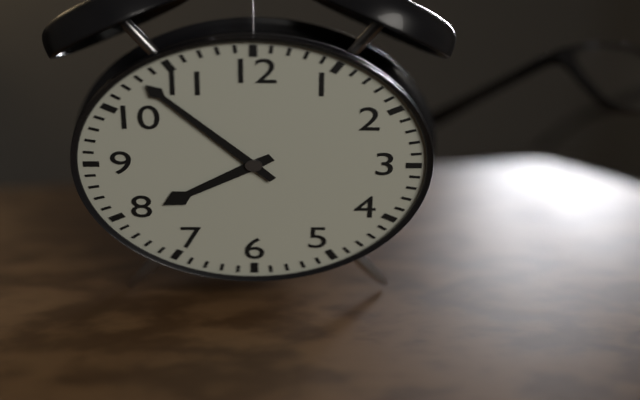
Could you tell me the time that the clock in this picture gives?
7:53
